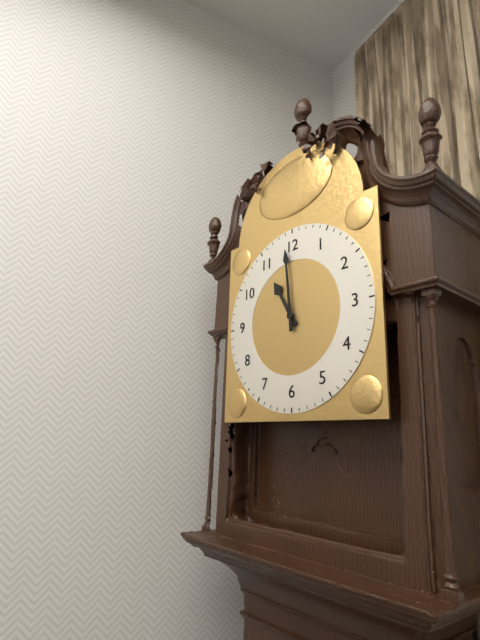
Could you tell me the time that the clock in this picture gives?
10:59
